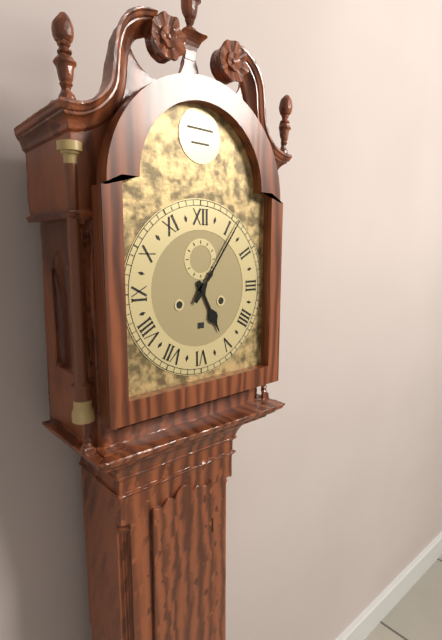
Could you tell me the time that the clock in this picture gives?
5:06
